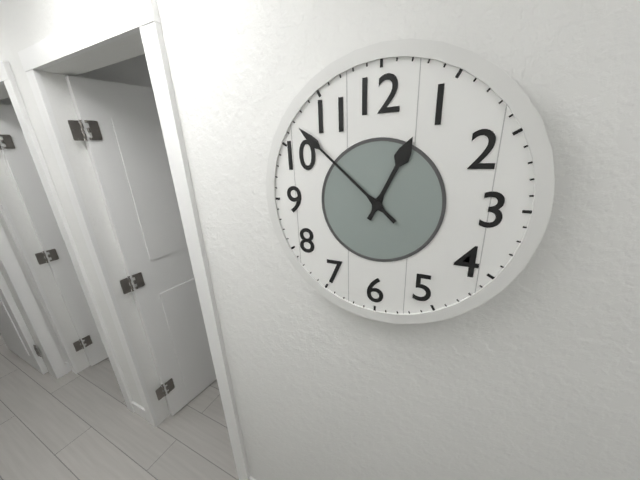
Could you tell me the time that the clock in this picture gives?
12:52
